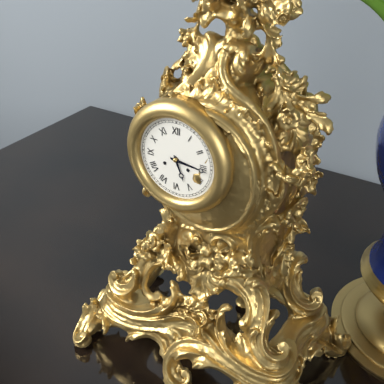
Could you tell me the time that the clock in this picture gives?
5:16
